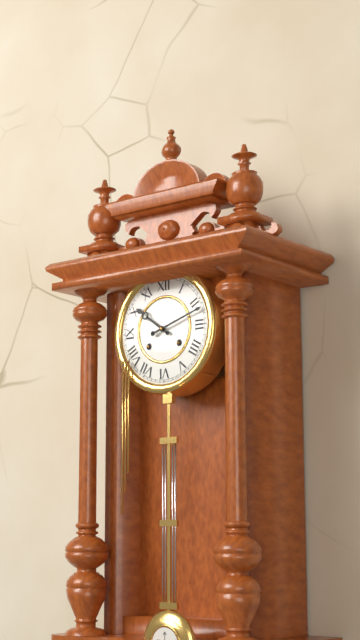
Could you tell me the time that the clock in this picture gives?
10:12
